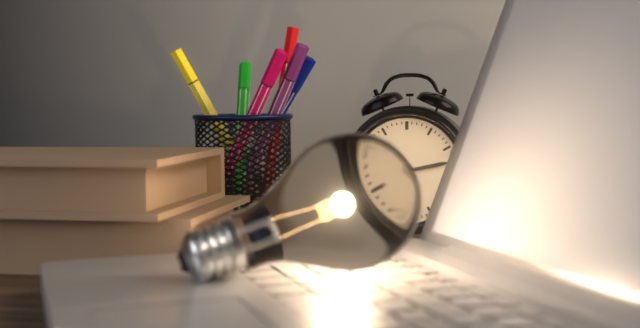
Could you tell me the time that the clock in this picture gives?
7:13
